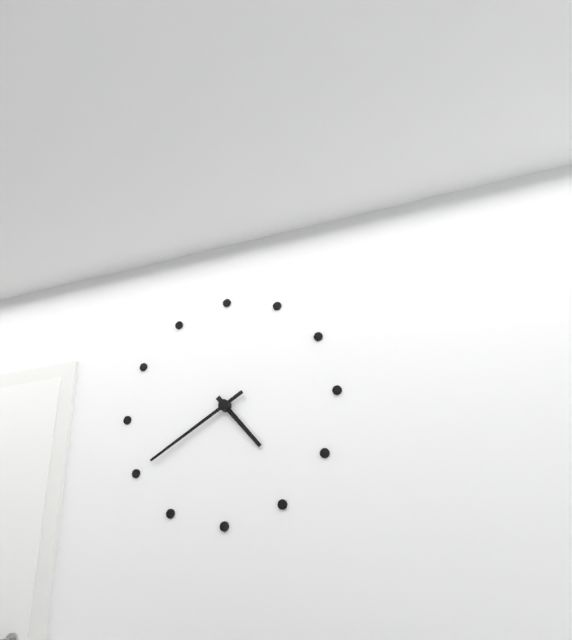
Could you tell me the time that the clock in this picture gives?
4:40
